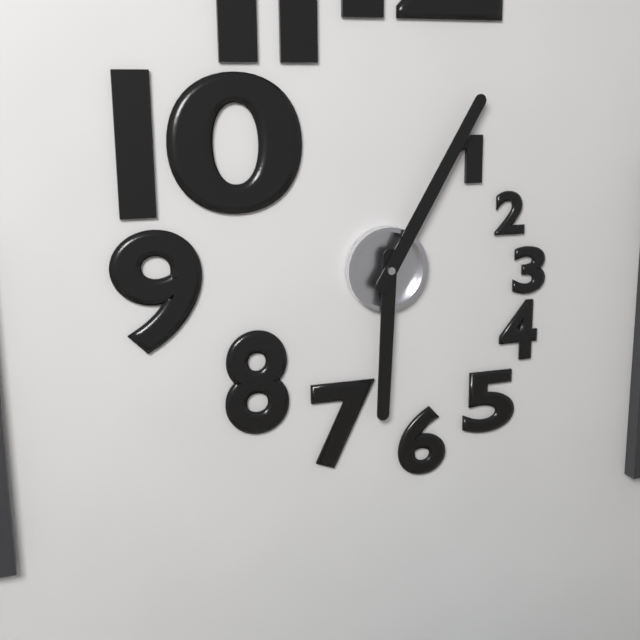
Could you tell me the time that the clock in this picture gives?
6:05
